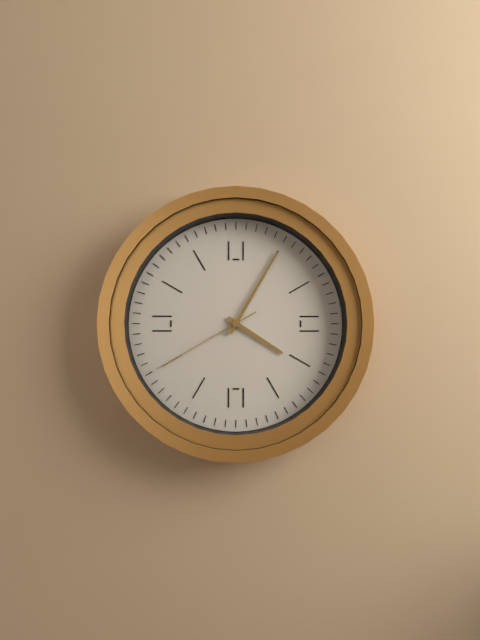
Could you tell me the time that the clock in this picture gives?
4:05:40
